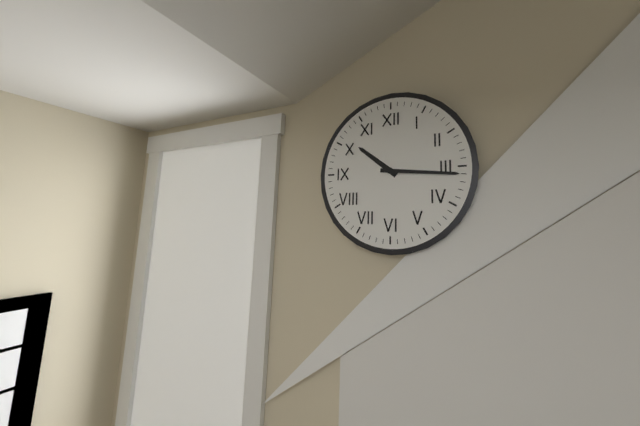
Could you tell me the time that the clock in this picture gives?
10:16
